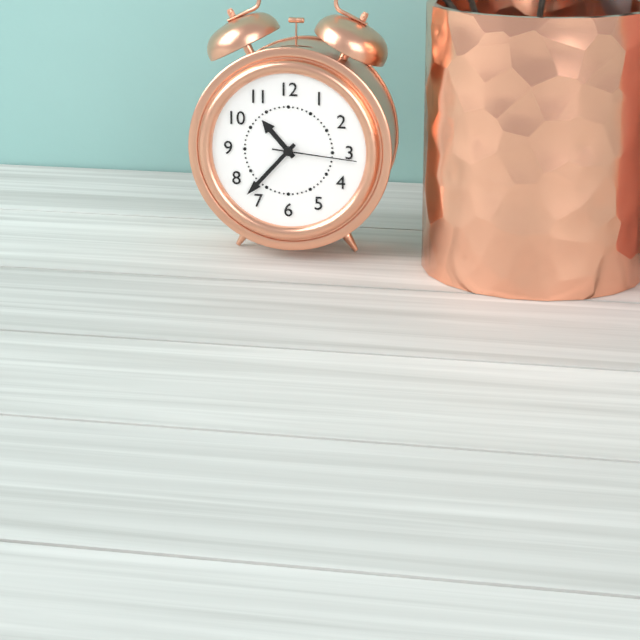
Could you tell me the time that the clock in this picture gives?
10:37:16
